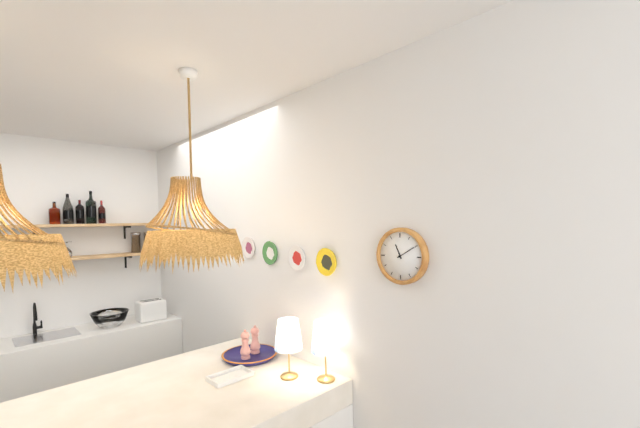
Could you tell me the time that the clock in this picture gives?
11:10
